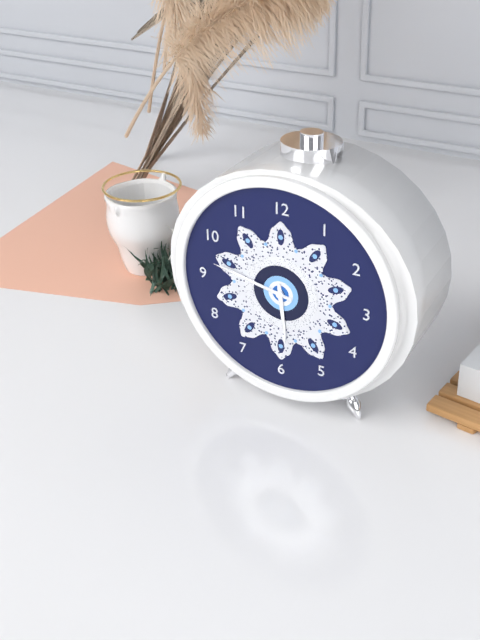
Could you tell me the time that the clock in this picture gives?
5:47
